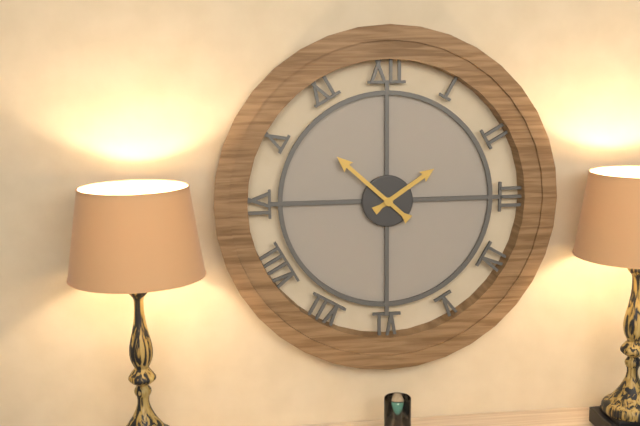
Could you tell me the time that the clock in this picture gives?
1:52
